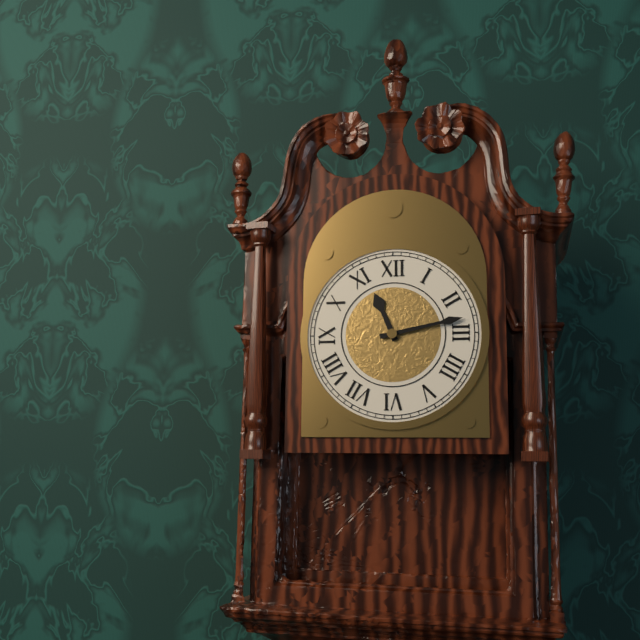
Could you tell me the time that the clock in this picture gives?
11:13
